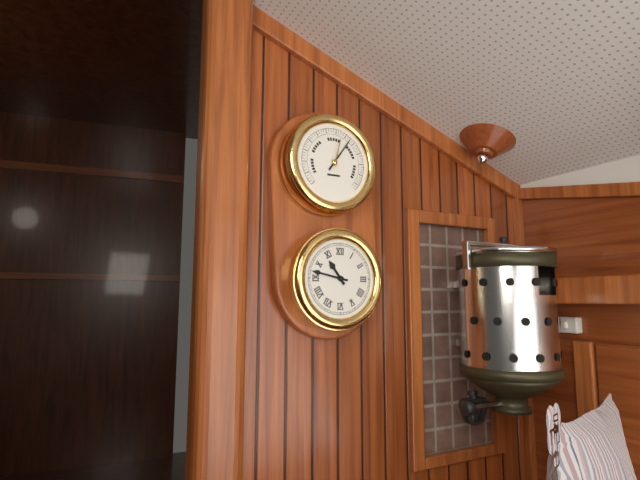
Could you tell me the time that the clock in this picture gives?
10:47
